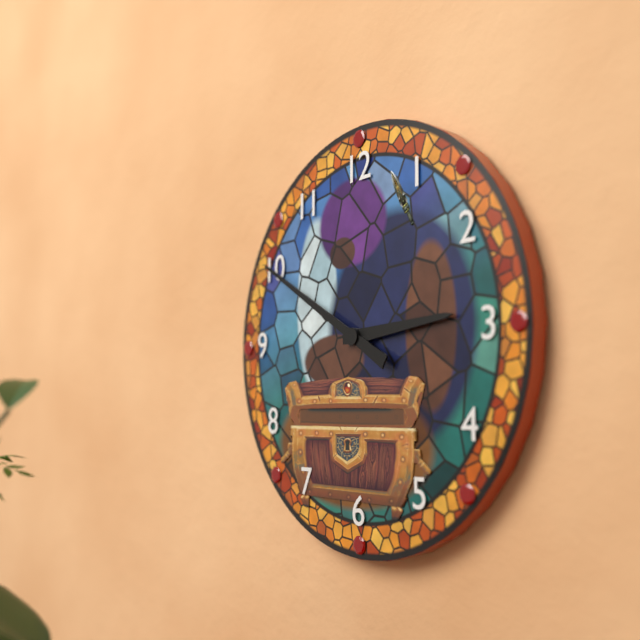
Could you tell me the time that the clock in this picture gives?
2:50
